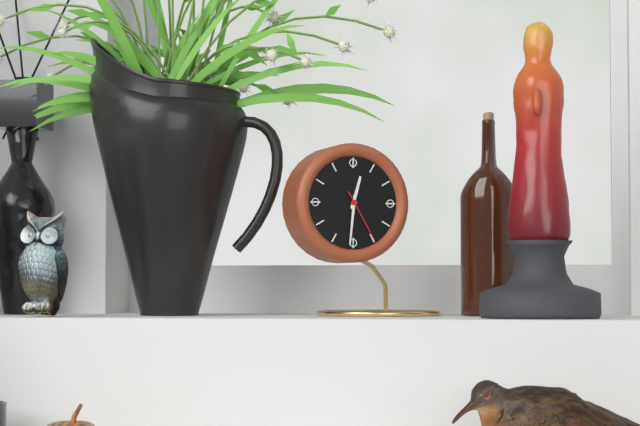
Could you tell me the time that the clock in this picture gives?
12:31:25
